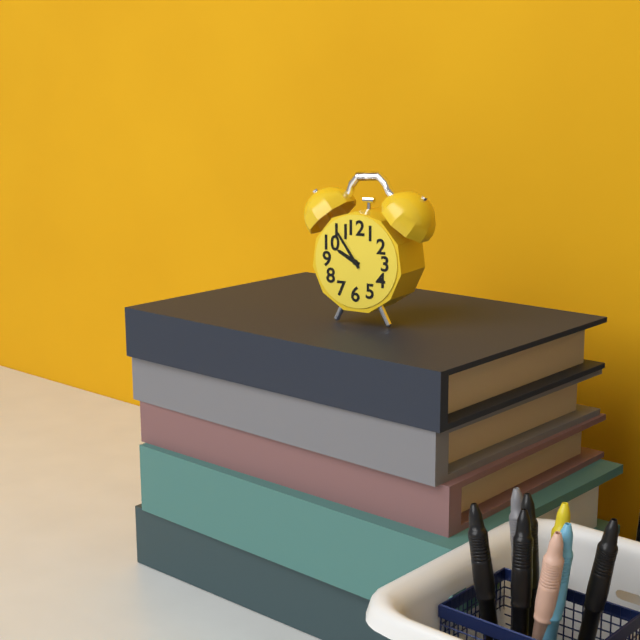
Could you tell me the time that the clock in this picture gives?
9:54
